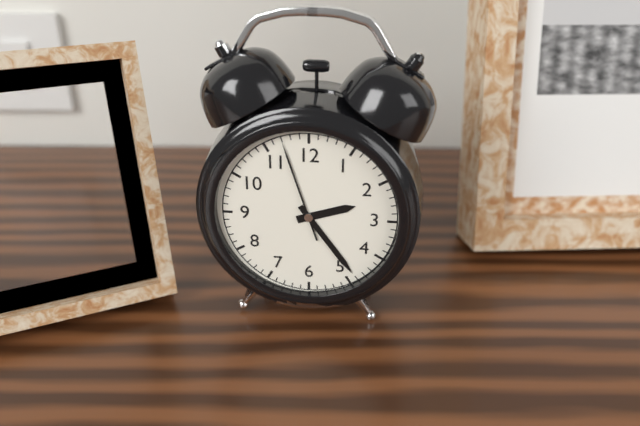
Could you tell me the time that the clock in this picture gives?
2:24:57
